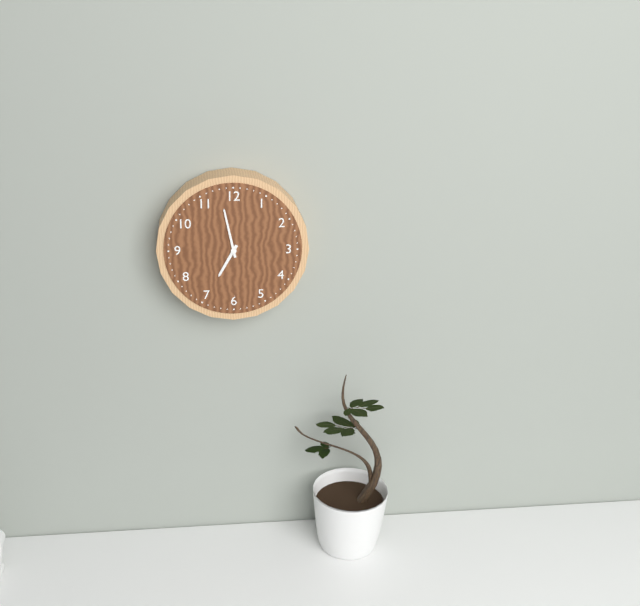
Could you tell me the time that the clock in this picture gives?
6:58
